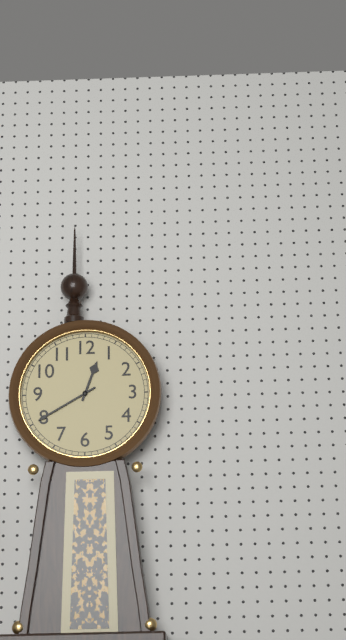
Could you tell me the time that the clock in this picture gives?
12:40
